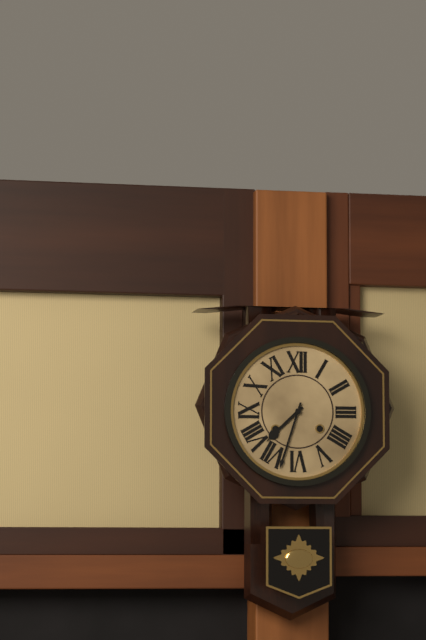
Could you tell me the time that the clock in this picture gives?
7:33
